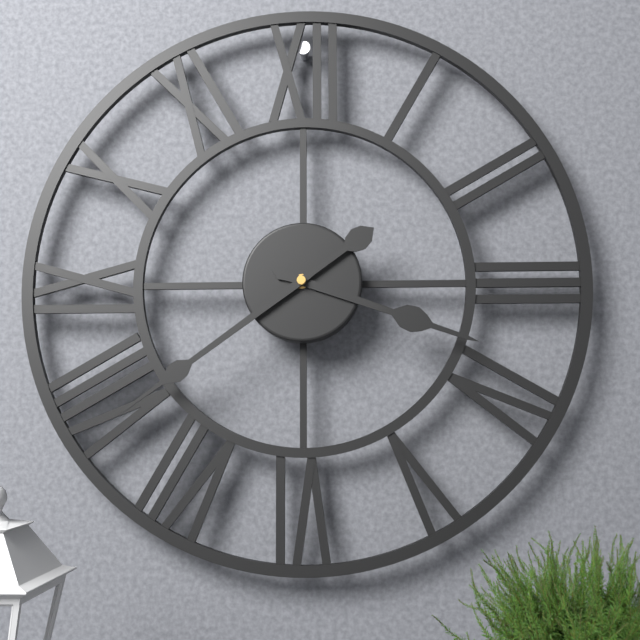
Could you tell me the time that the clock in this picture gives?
3:39
